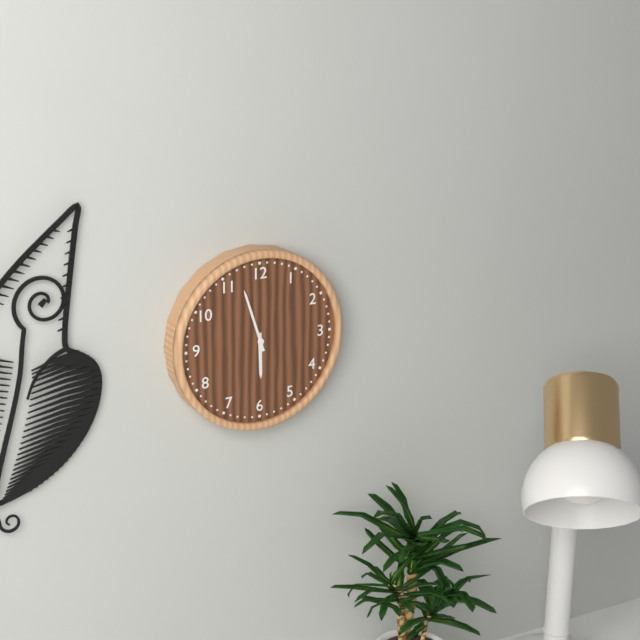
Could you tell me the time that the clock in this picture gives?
5:57
